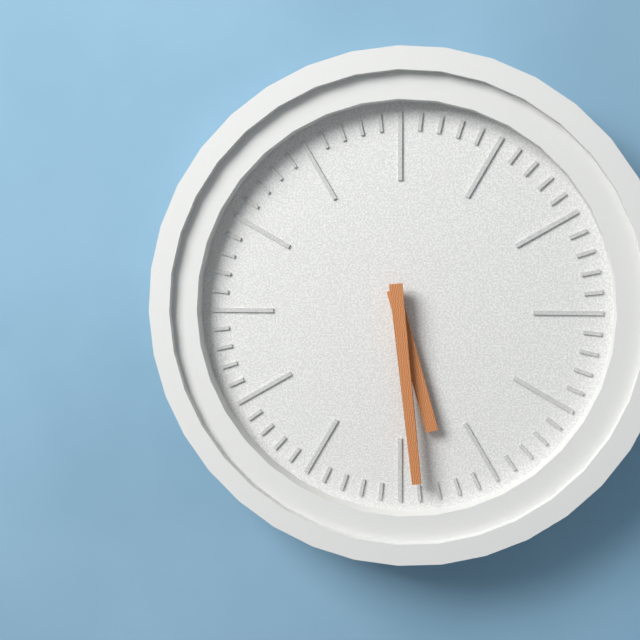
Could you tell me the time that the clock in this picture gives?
5:29
